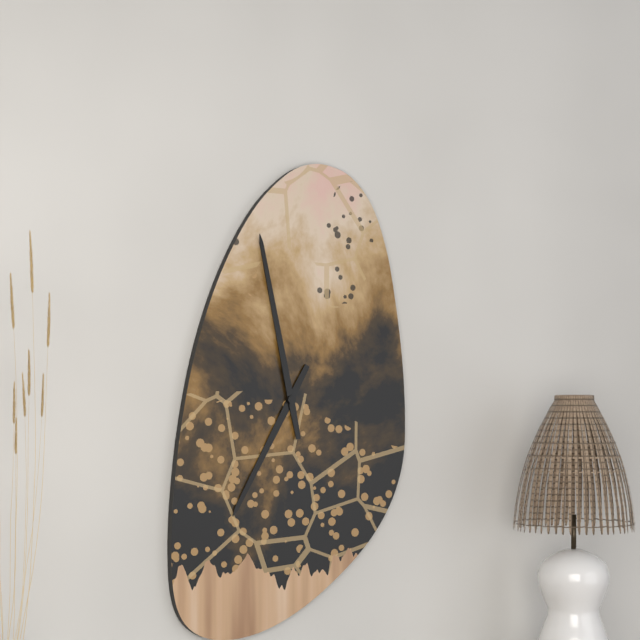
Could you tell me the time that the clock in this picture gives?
6:58
